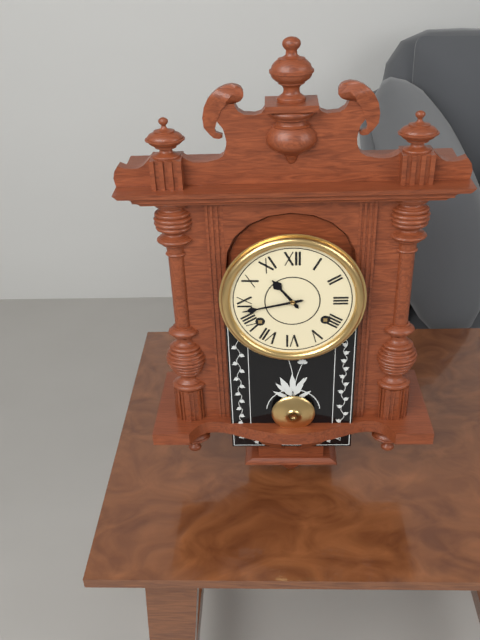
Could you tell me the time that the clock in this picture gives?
10:43
